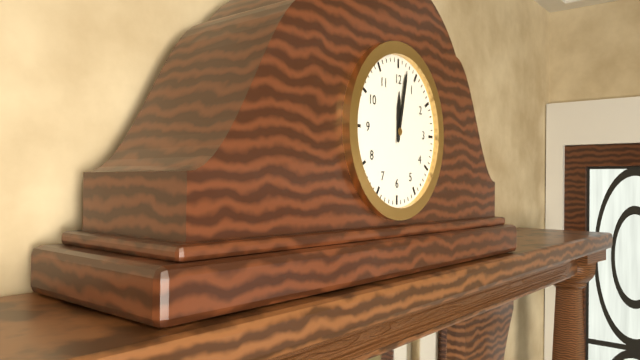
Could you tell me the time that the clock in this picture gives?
12:02
